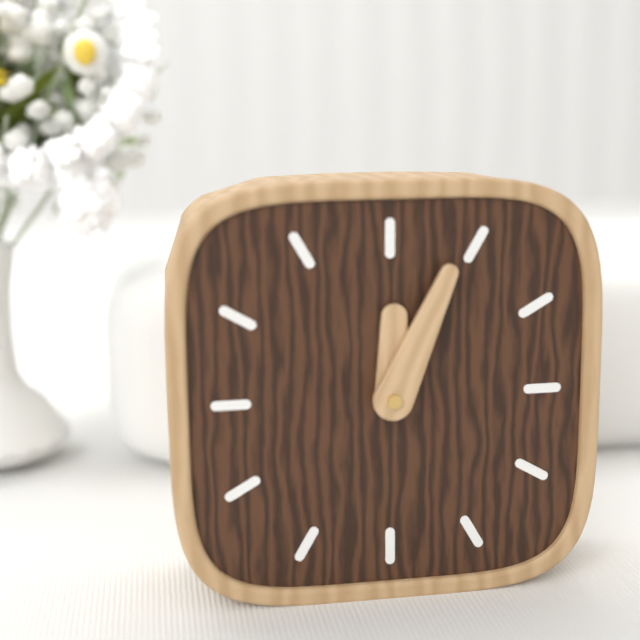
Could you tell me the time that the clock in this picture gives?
12:04
